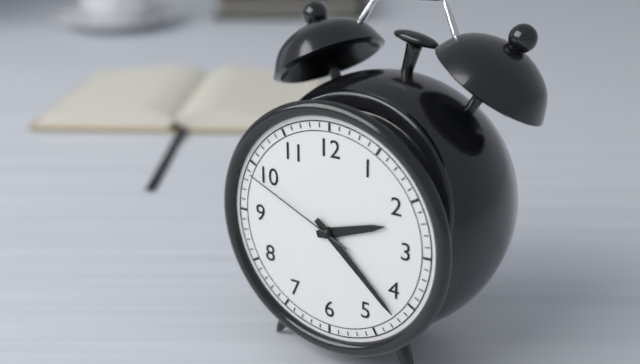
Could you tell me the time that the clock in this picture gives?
2:22:49
